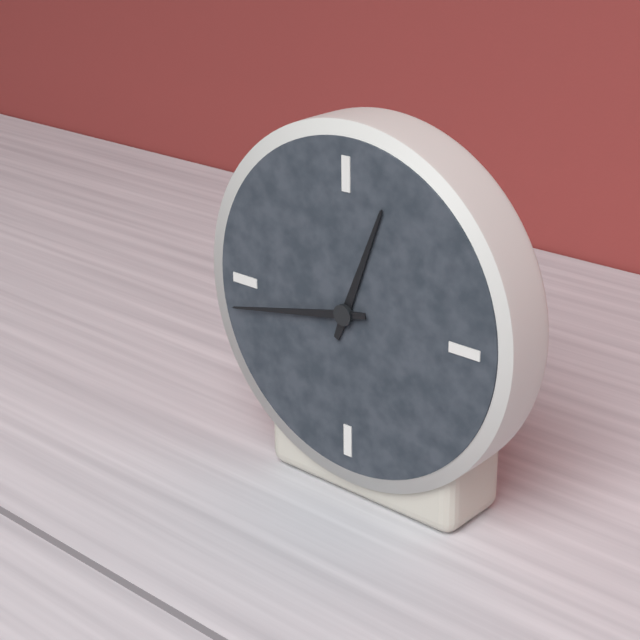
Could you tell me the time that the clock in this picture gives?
12:43
